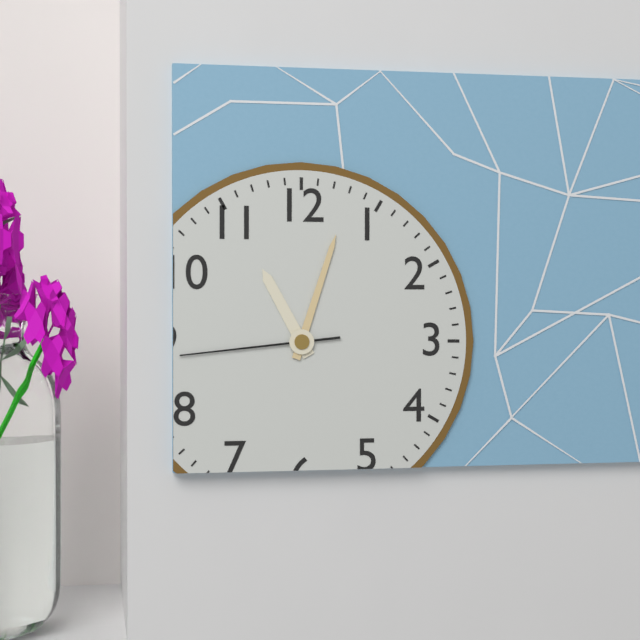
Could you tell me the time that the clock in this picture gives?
11:03:44
